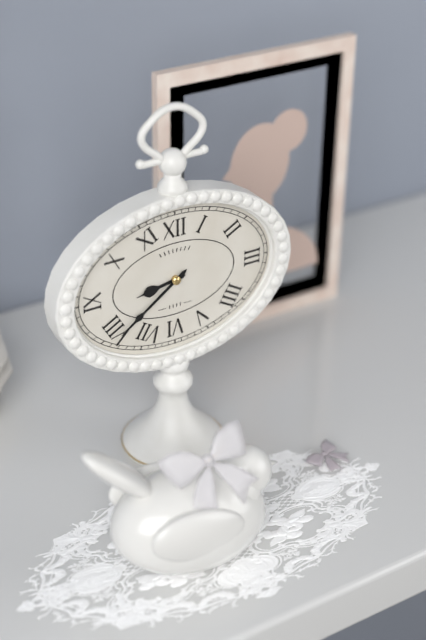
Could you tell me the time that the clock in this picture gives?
8:39
